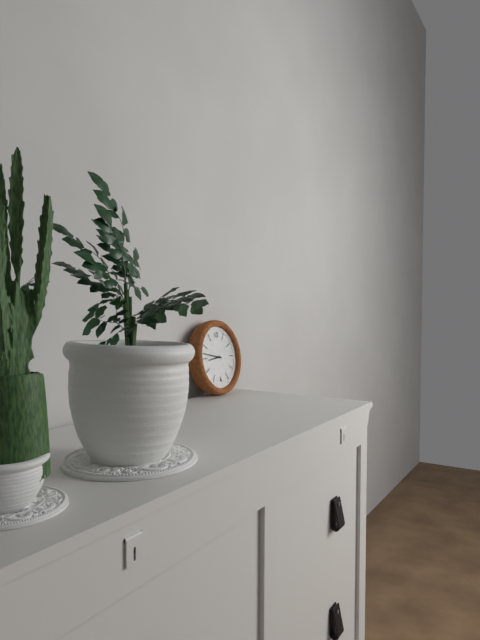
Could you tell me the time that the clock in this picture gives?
8:47
